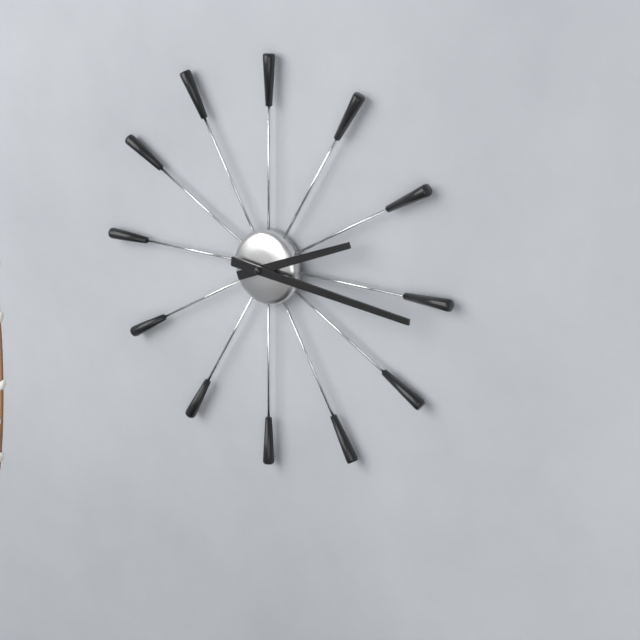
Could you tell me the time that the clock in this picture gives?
2:16
